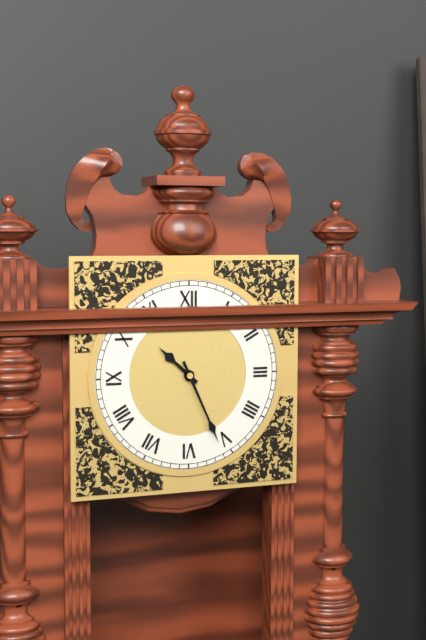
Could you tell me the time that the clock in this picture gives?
10:26
